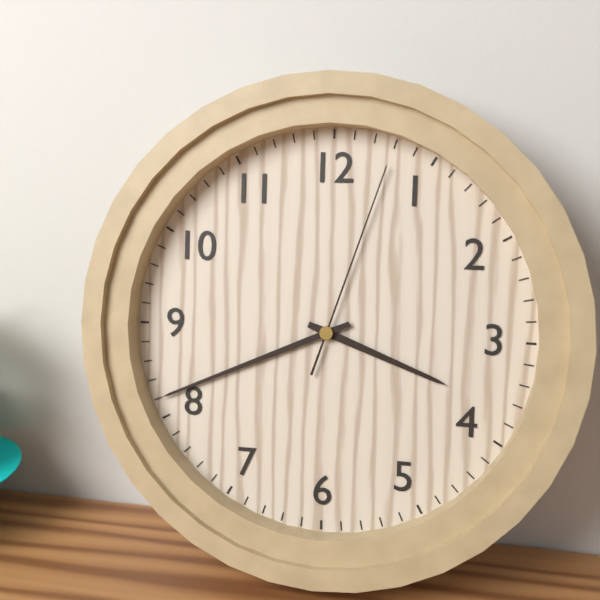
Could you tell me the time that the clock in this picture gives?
3:41:03
